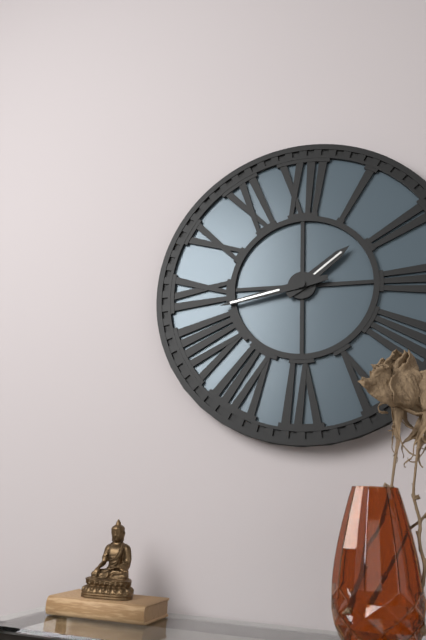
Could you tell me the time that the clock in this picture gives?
1:43
